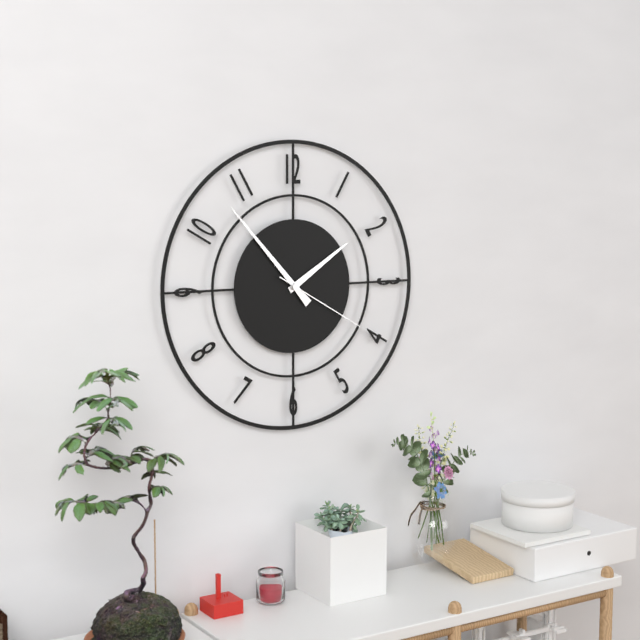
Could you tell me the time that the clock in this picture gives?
1:53:20
